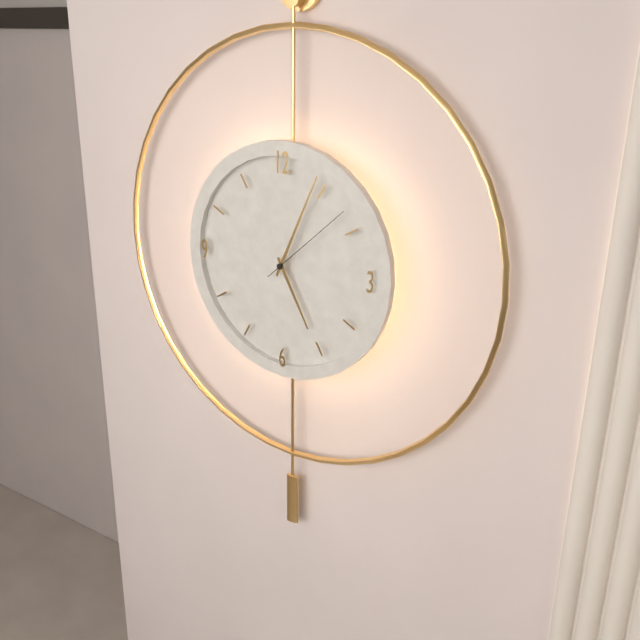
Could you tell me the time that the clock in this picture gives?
5:04:08
